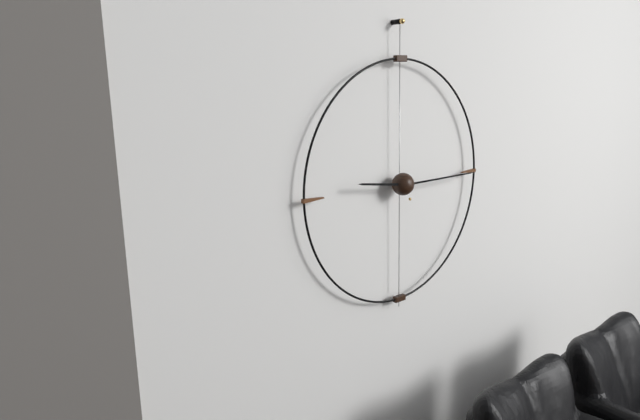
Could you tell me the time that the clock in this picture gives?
9:15
